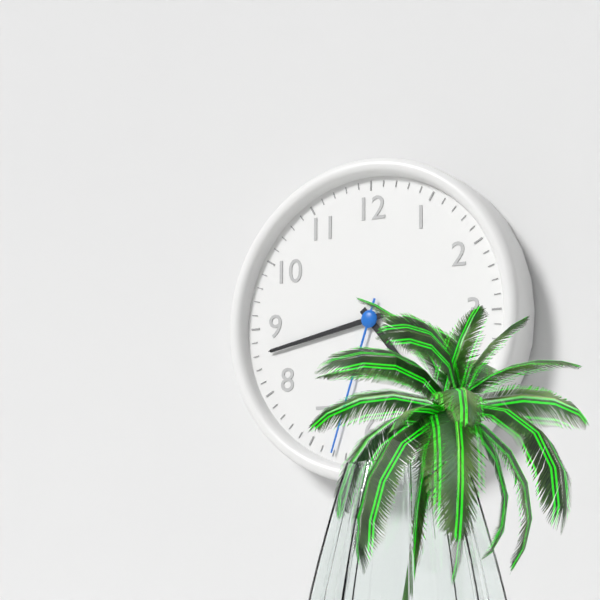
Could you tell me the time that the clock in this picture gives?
4:43:33
